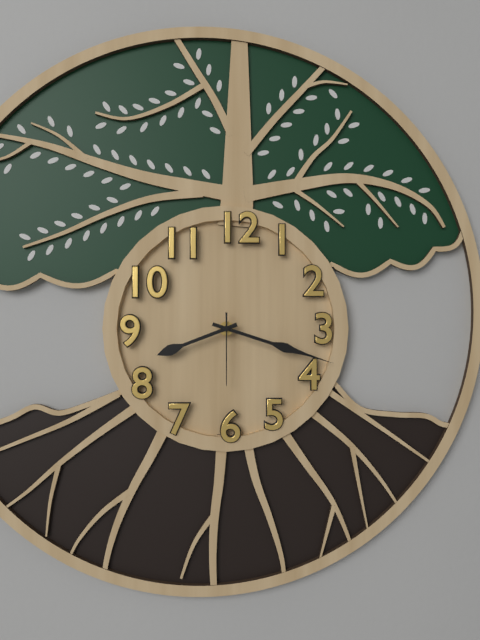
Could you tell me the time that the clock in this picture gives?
8:18:30
